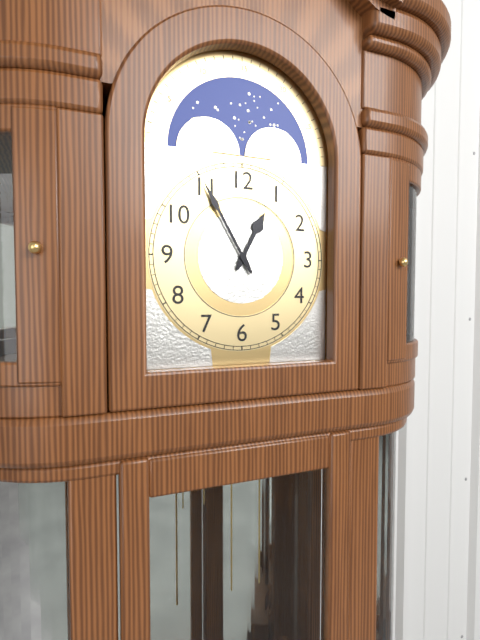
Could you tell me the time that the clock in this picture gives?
12:55
